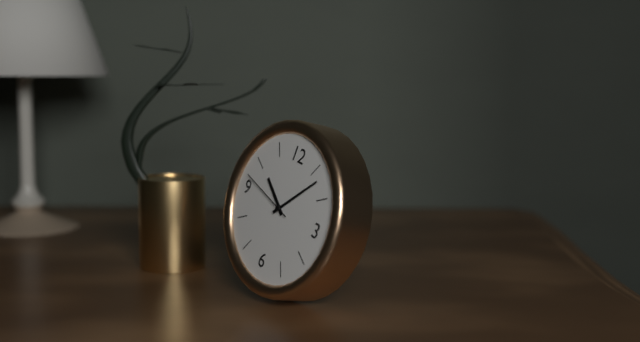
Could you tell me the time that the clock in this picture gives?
10:07:47
